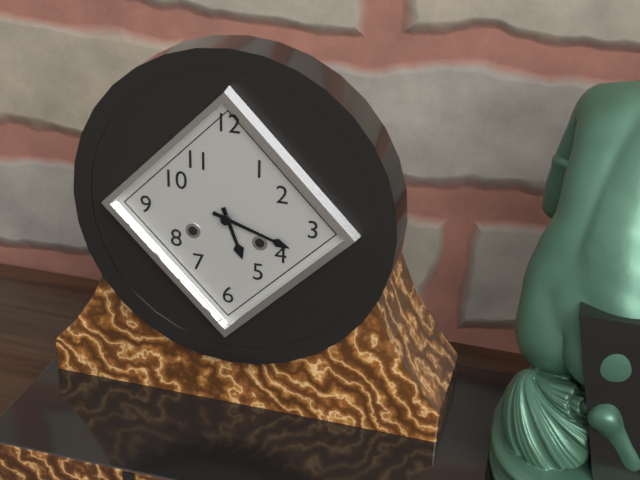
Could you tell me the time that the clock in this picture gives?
5:18
